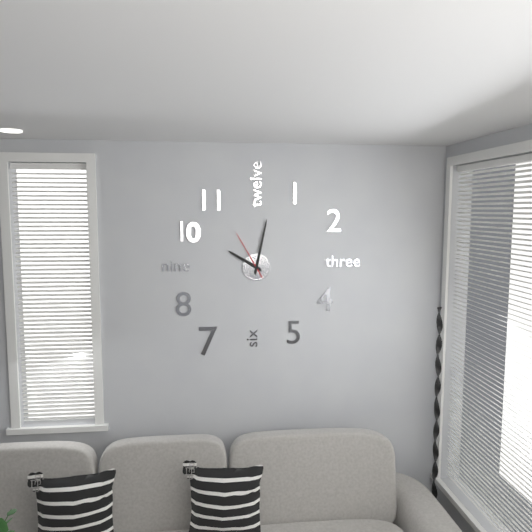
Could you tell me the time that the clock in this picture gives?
10:02:55
